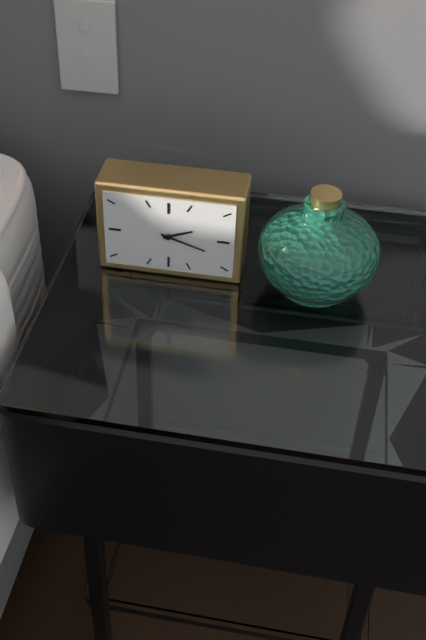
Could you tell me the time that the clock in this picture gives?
2:18
